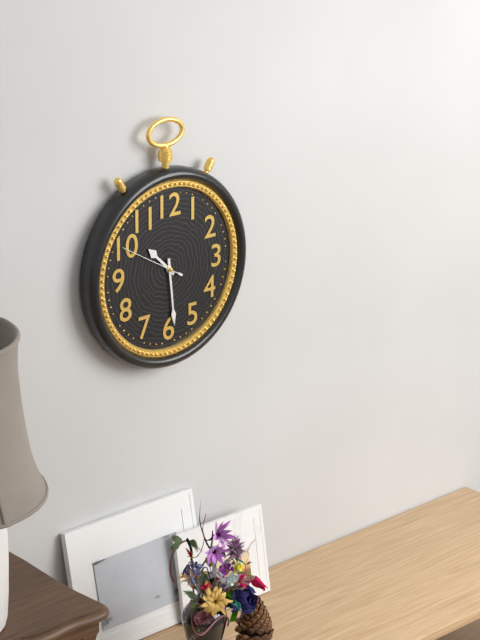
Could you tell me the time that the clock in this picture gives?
10:29:50
